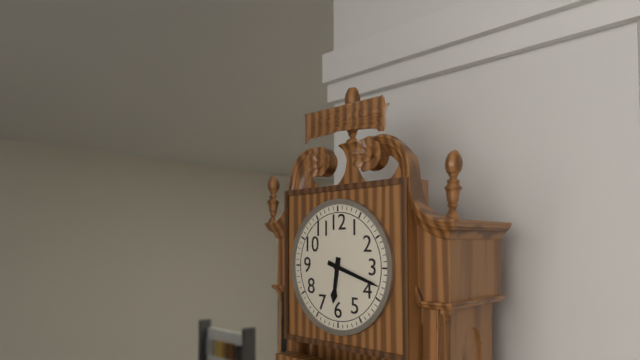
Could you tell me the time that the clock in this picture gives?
6:18
